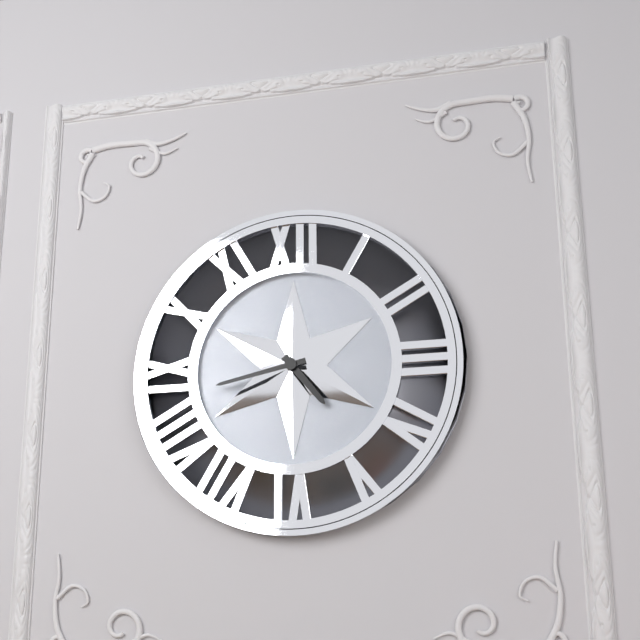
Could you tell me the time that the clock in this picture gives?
4:43
